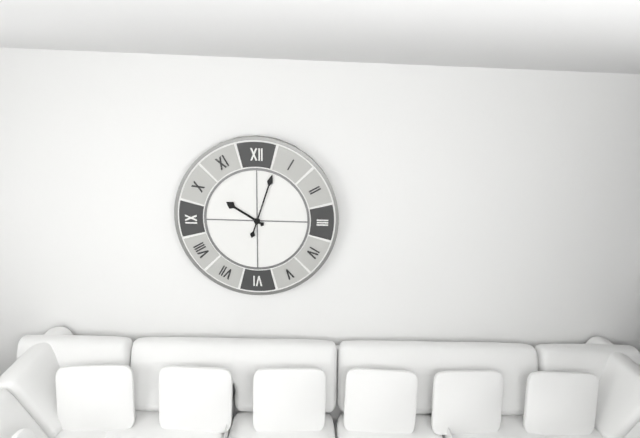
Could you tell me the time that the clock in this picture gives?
10:03
